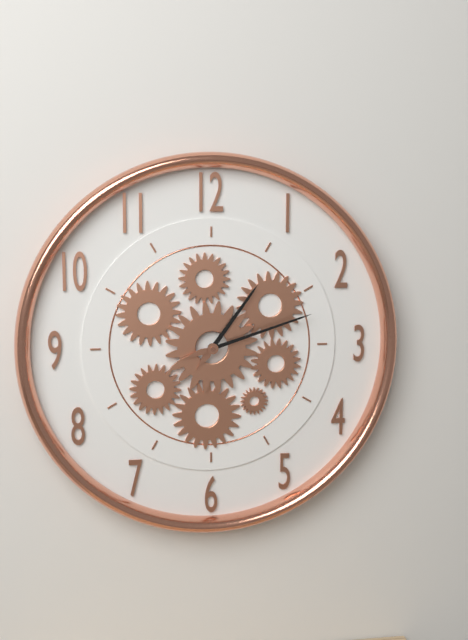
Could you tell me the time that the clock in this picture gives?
1:12
